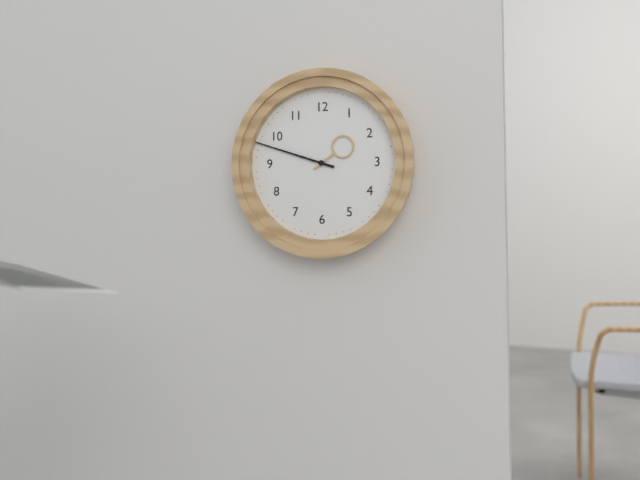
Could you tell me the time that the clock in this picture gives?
1:48
